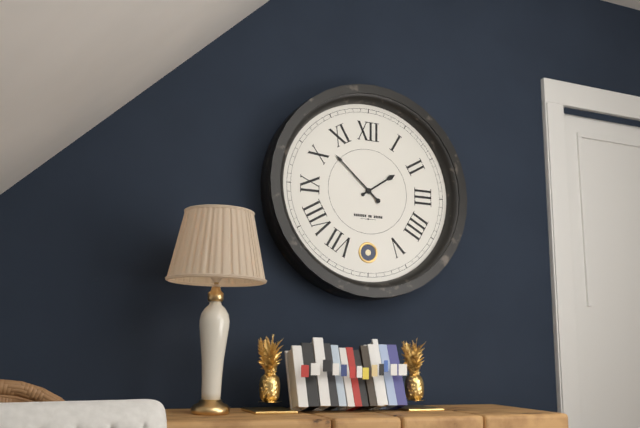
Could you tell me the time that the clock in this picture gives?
1:52
